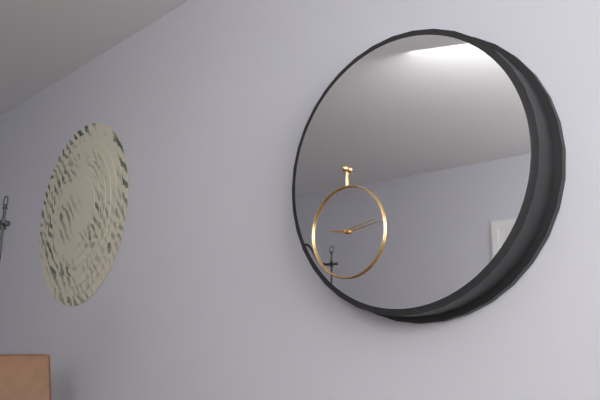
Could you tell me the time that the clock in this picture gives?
9:13
